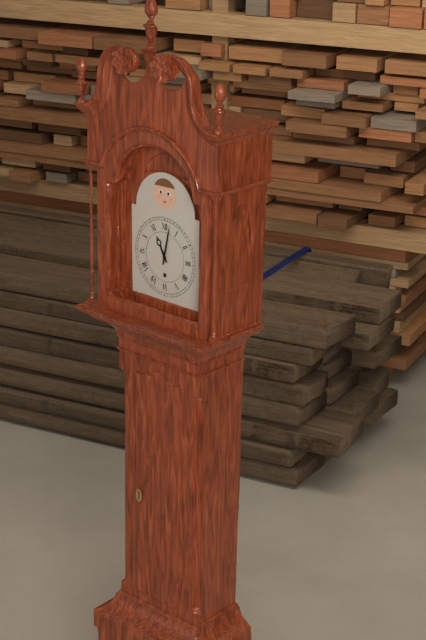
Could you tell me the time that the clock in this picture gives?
11:02
